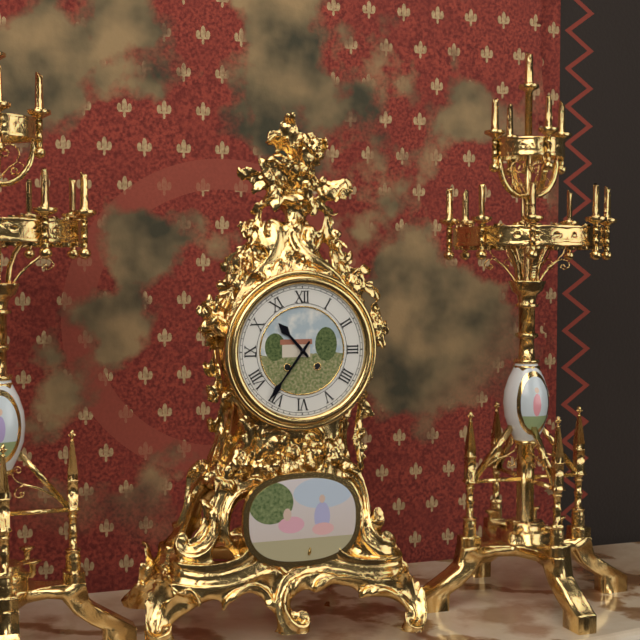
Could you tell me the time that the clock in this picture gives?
10:36
